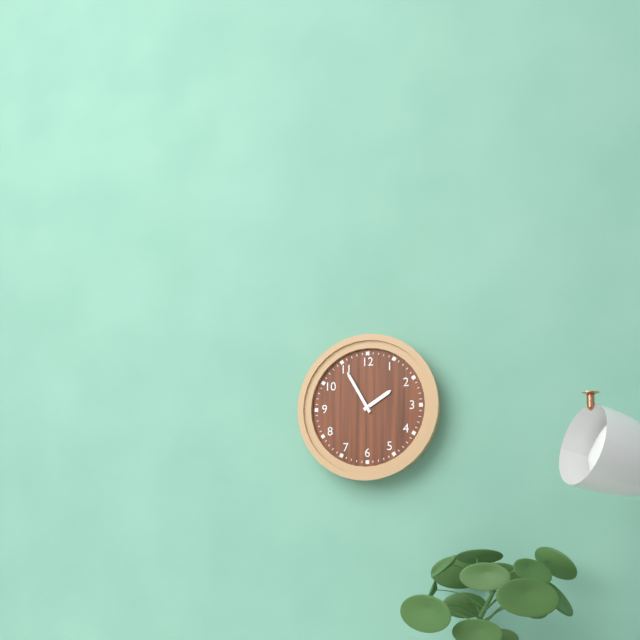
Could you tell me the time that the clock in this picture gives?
1:55
